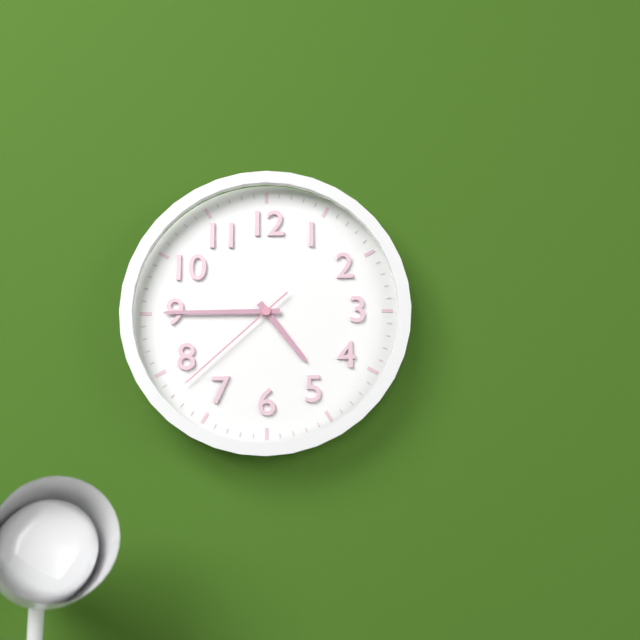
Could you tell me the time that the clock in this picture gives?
4:45:38
